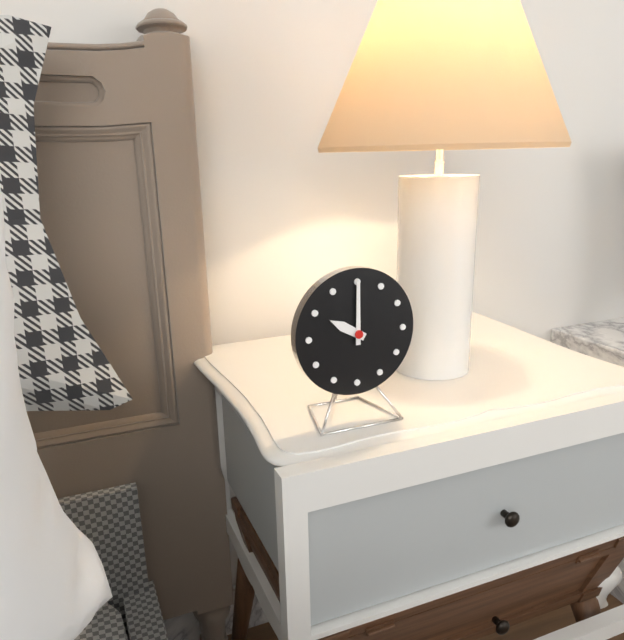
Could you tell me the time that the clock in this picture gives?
10:00
